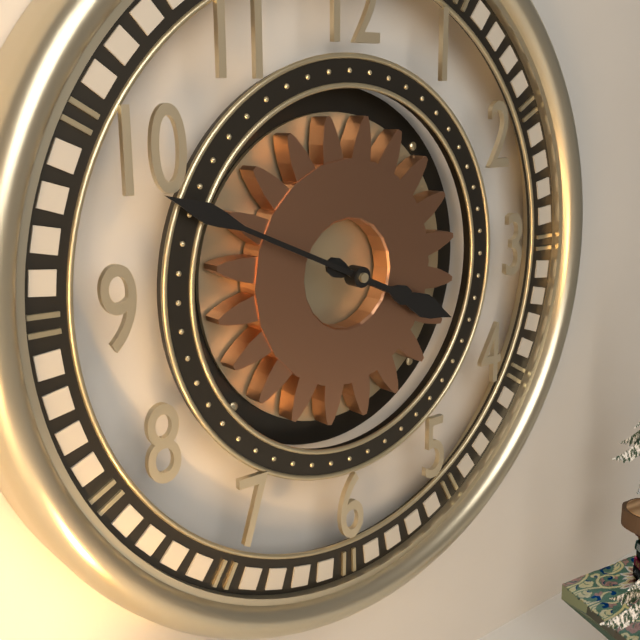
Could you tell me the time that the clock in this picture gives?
3:49
